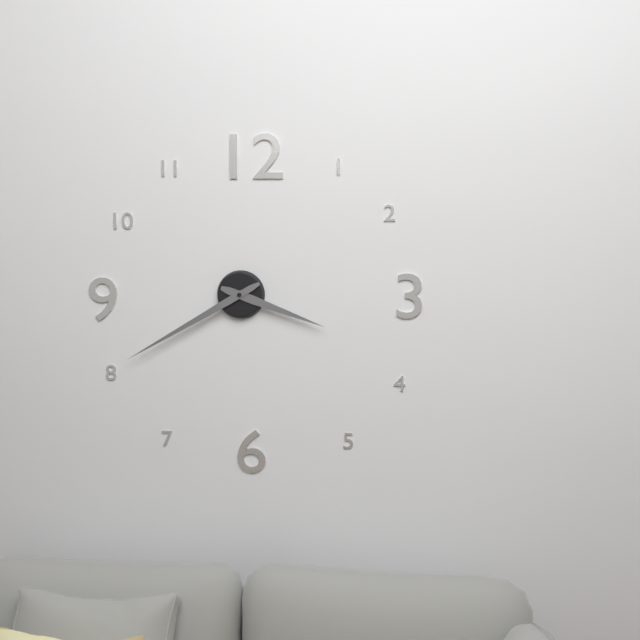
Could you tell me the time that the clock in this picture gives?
3:40
